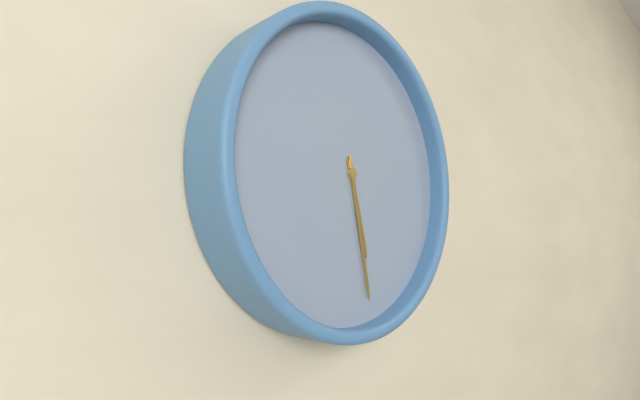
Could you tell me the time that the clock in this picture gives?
5:28
